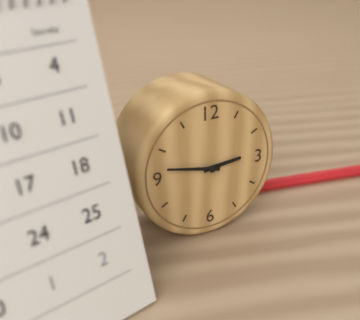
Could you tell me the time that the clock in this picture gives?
2:47
